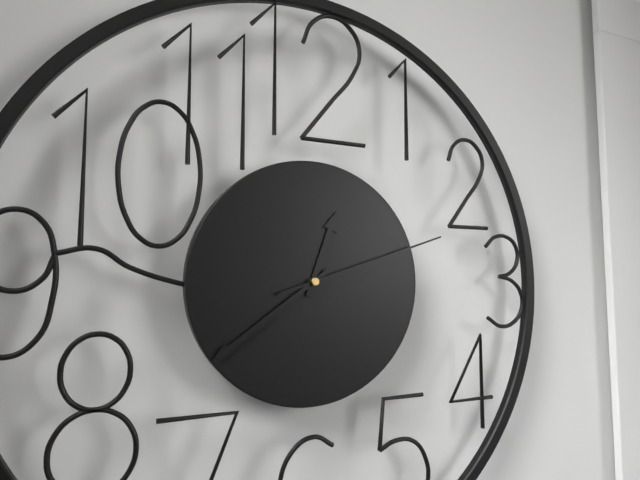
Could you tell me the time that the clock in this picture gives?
12:39:12
